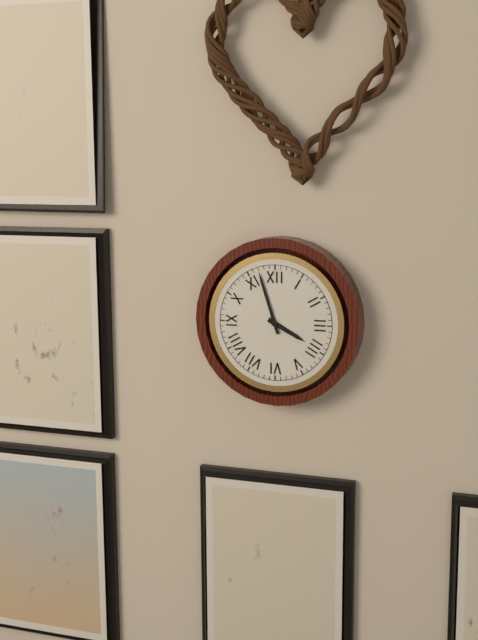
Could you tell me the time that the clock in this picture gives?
3:57
